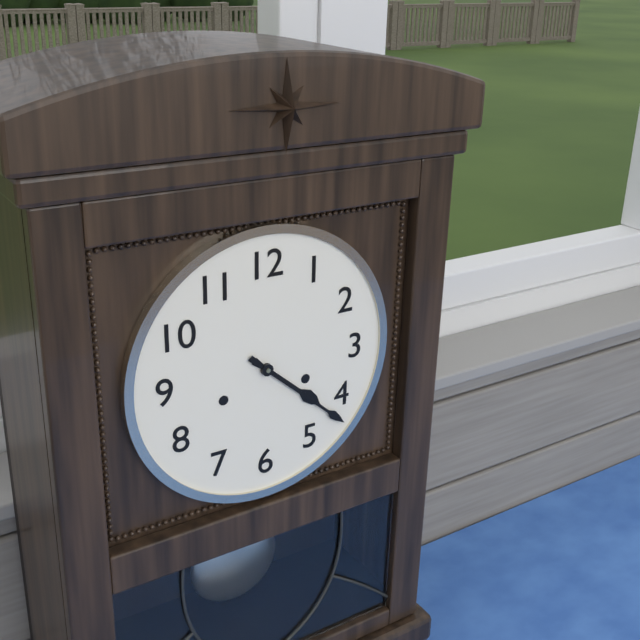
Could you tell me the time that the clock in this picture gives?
4:22
